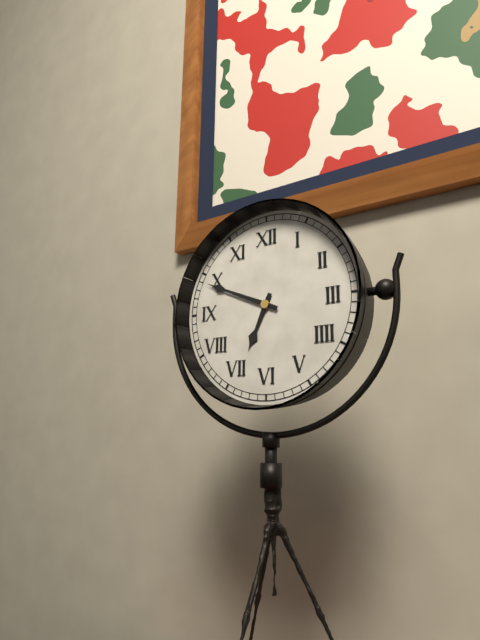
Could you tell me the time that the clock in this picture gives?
6:49
